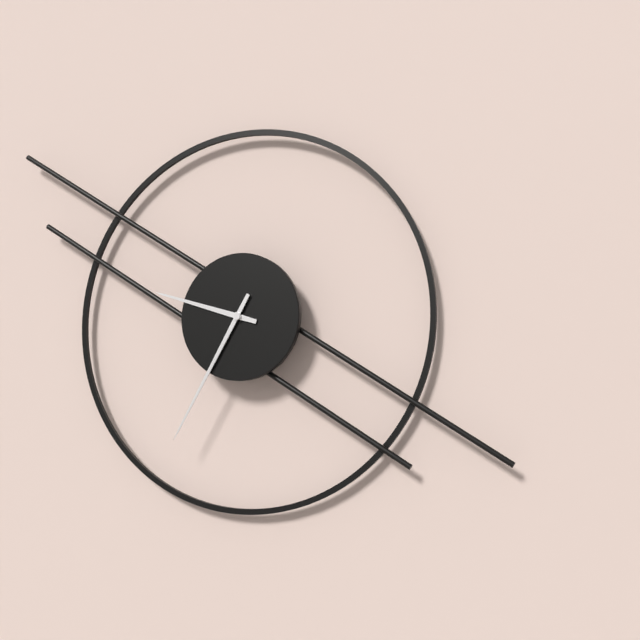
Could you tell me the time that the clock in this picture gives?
9:35
